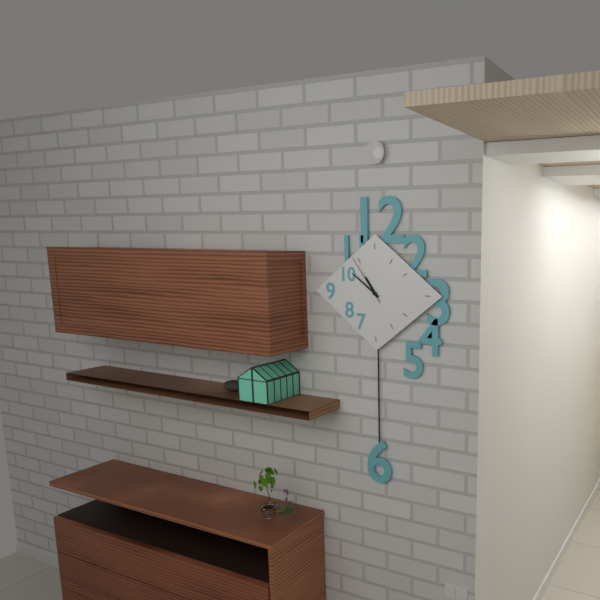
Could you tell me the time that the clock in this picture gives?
10:51:54
